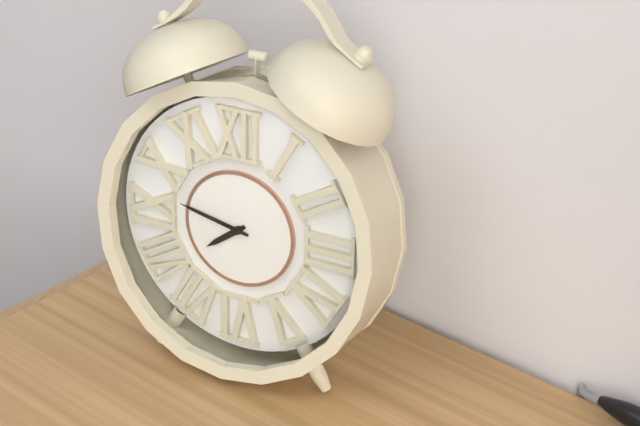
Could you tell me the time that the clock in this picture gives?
7:47
